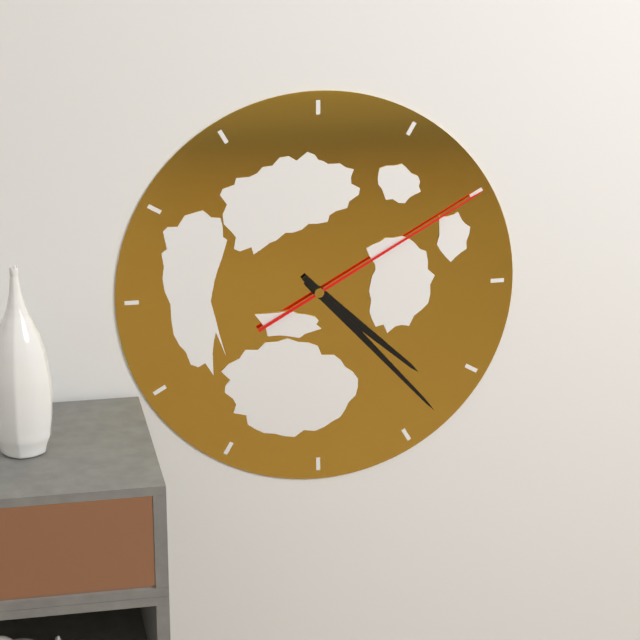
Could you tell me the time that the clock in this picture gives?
4:23:10
